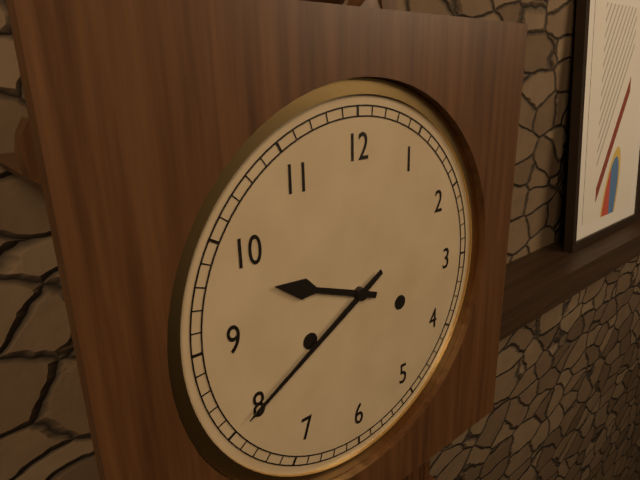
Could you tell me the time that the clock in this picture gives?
9:40
